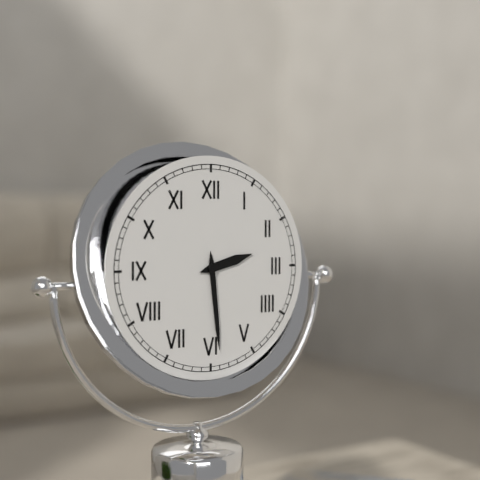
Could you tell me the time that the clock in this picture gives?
2:29
